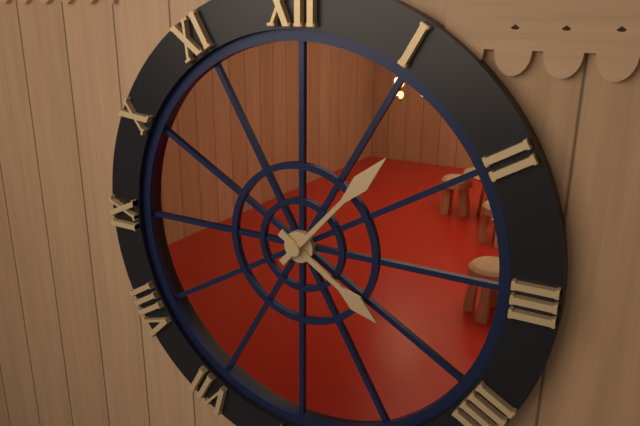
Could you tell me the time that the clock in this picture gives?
4:07
